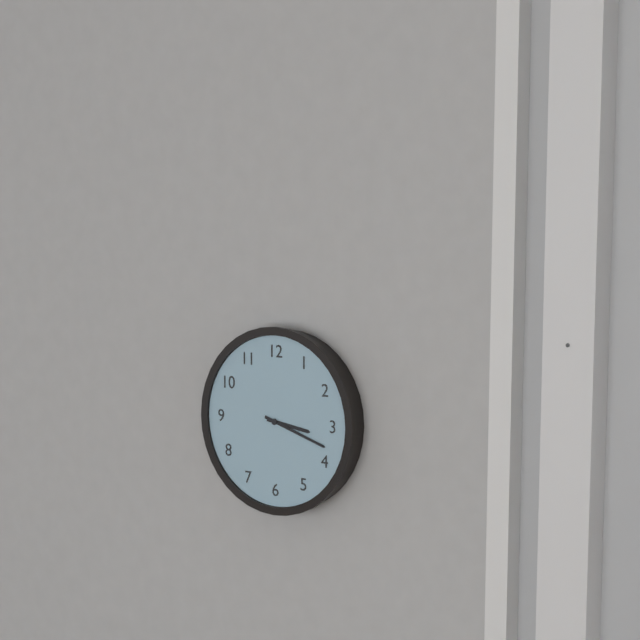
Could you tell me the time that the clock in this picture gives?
3:18
